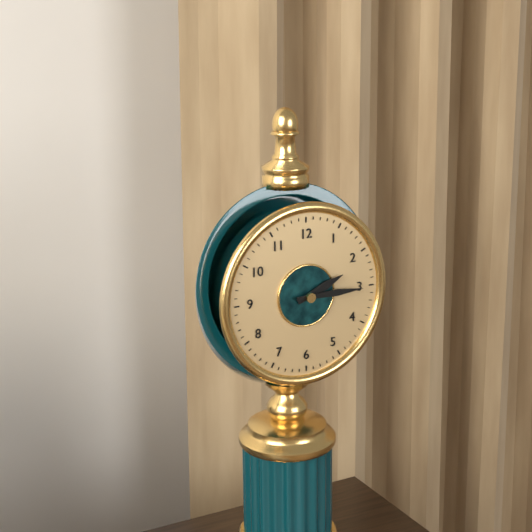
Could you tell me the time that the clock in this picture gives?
2:15
